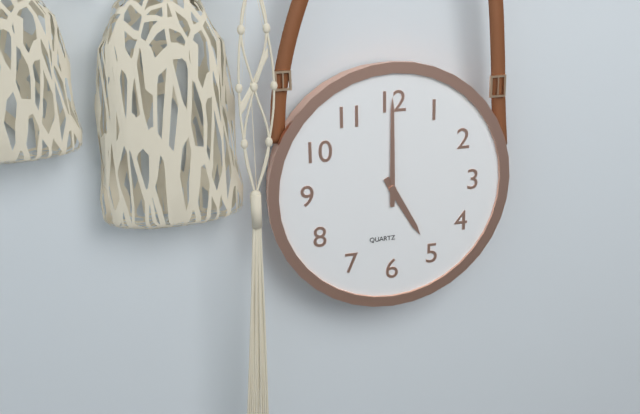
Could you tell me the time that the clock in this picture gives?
5:00
